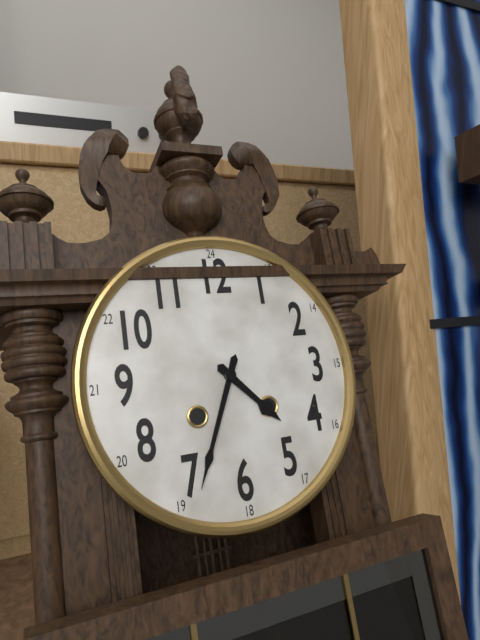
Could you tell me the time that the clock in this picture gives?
4:34
